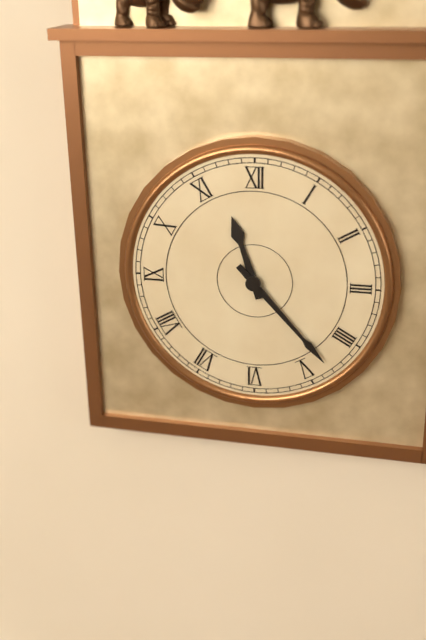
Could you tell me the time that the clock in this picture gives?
11:23
